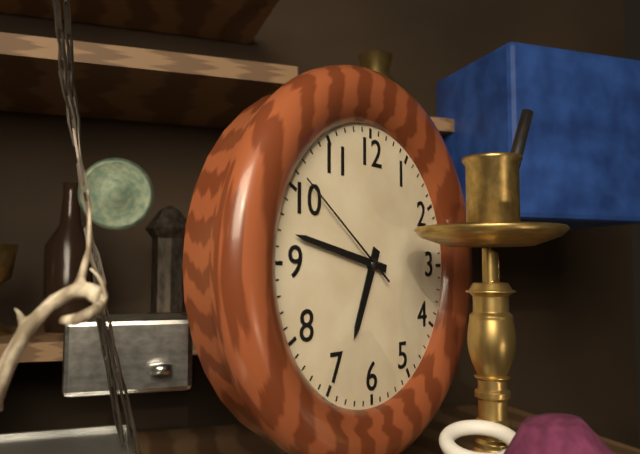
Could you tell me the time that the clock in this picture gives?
6:47:51
